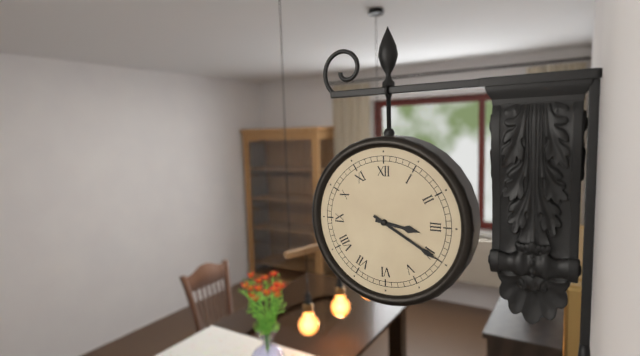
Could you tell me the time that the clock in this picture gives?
3:20
